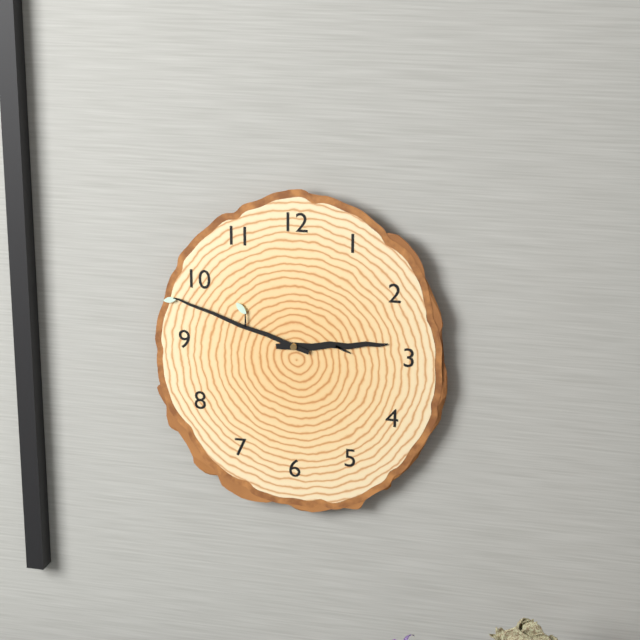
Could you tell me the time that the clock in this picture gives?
2:48
